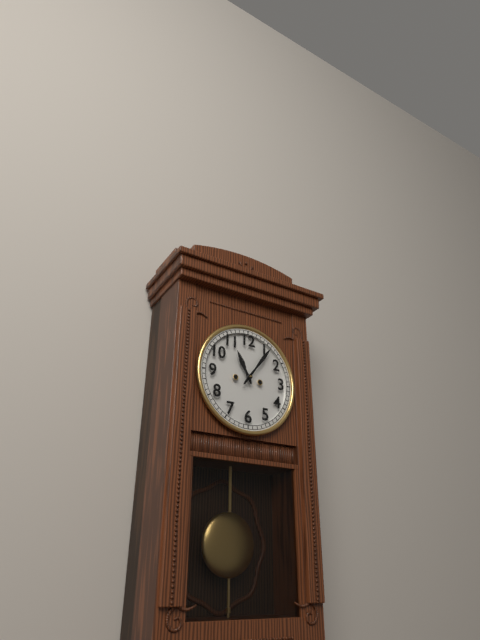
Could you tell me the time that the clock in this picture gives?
11:06
